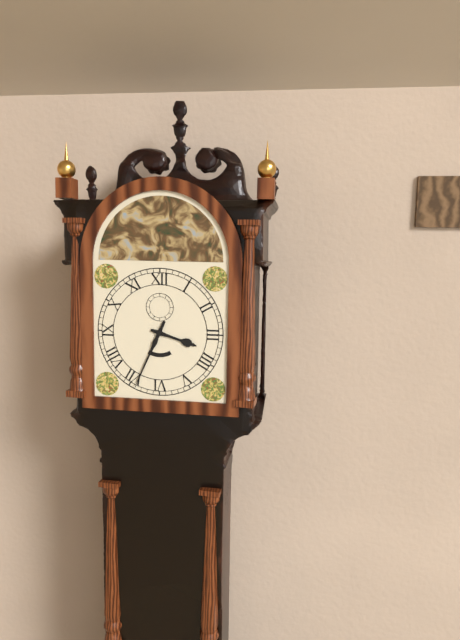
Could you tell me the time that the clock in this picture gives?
3:34
